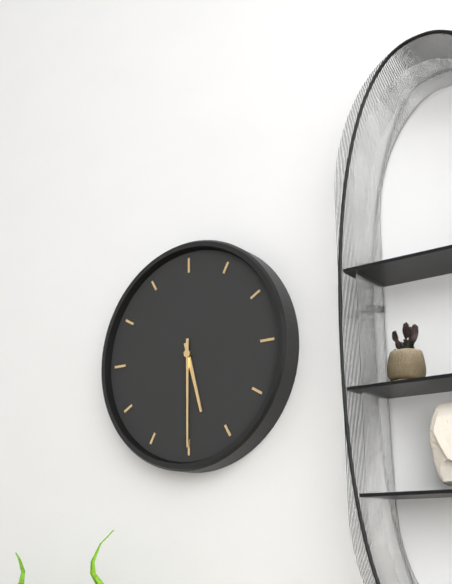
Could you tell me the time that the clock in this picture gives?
5:30
